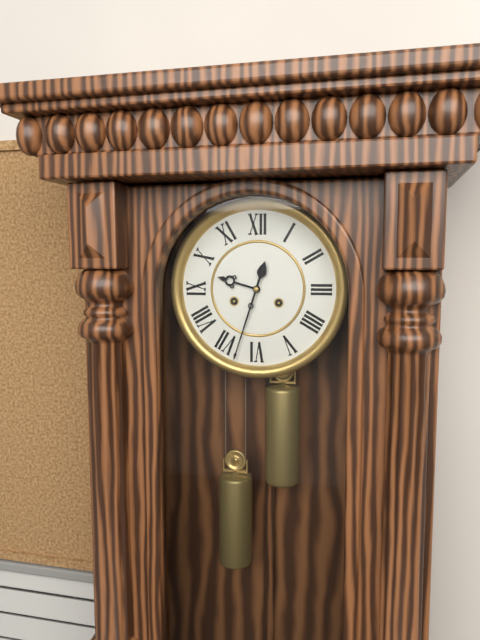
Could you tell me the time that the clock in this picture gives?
9:33
